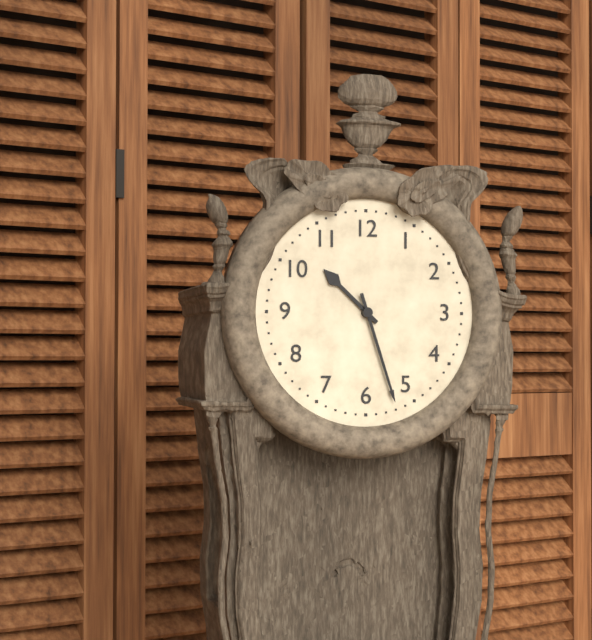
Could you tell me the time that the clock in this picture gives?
10:27
